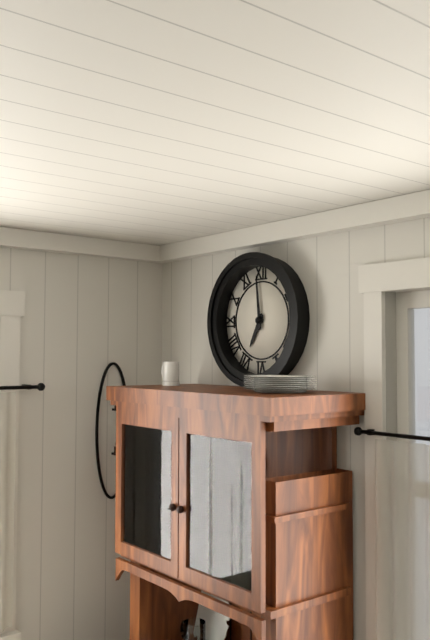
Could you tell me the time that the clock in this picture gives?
6:59
